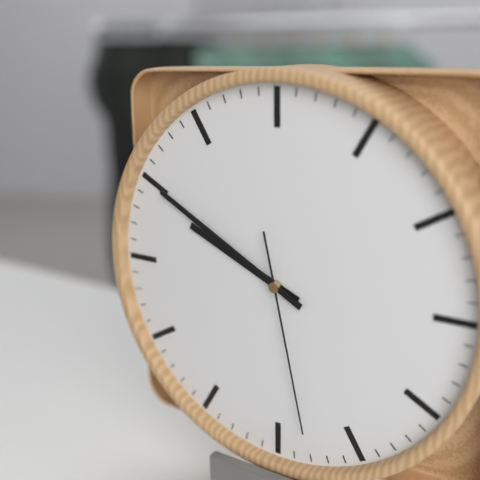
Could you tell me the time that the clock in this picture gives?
9:50:28
